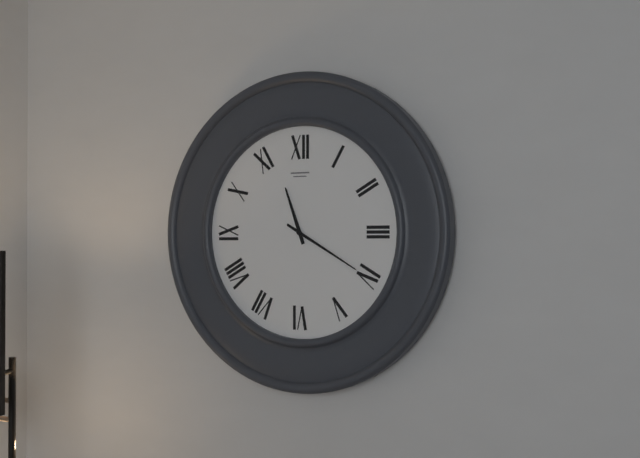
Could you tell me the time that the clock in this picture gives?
11:20
